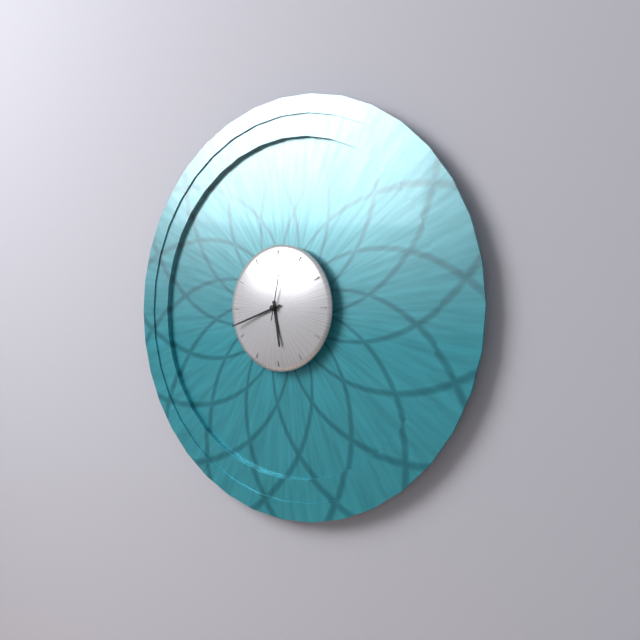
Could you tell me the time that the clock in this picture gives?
5:42:02
